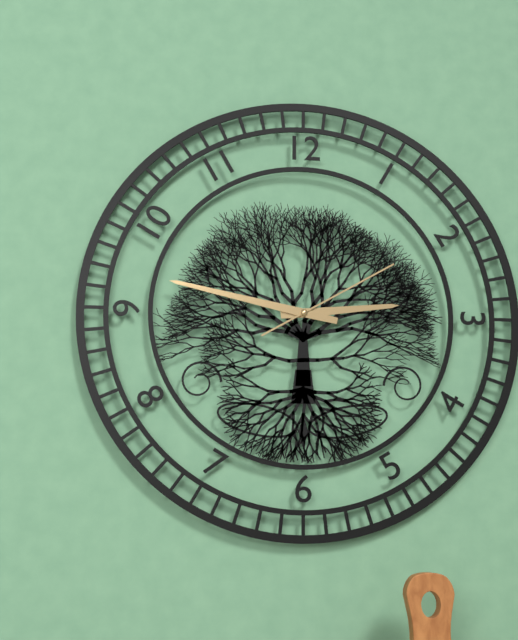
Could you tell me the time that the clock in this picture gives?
2:47:10
